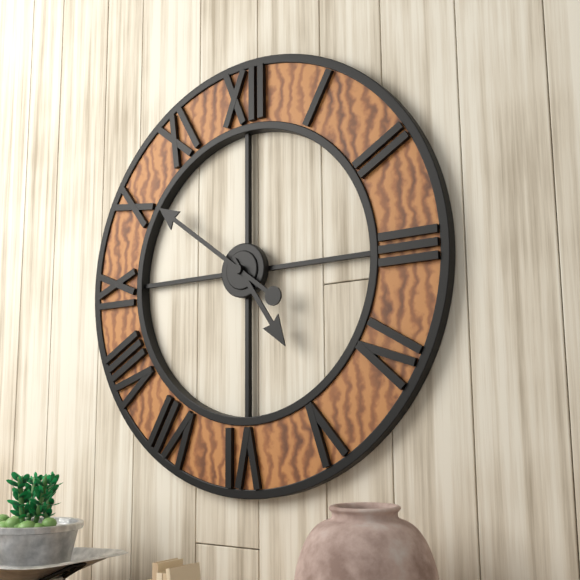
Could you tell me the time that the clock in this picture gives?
4:51
